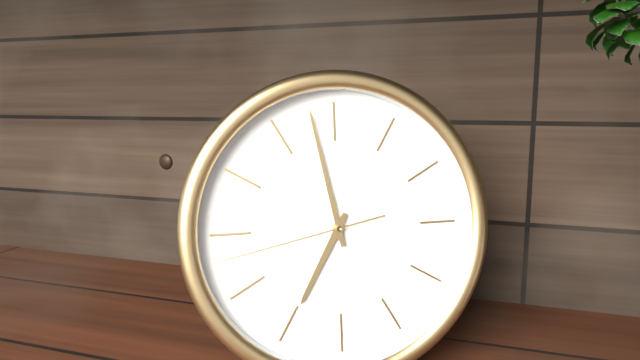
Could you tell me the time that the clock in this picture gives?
6:58:43
